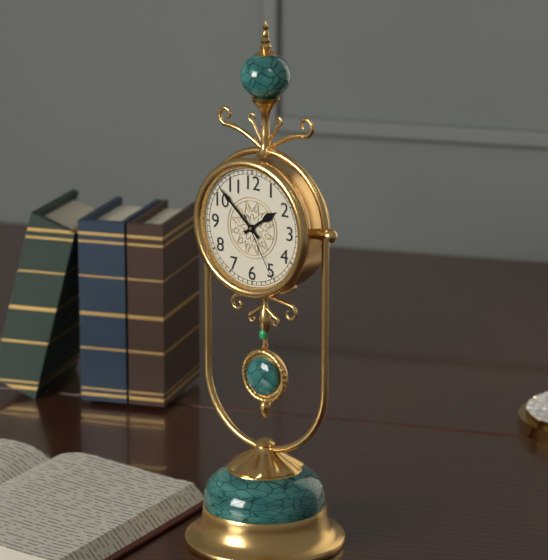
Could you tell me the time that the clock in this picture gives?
1:52:25
